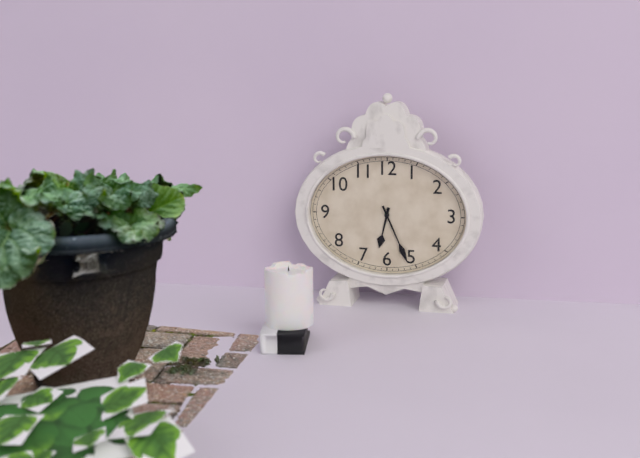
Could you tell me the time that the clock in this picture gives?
6:26
